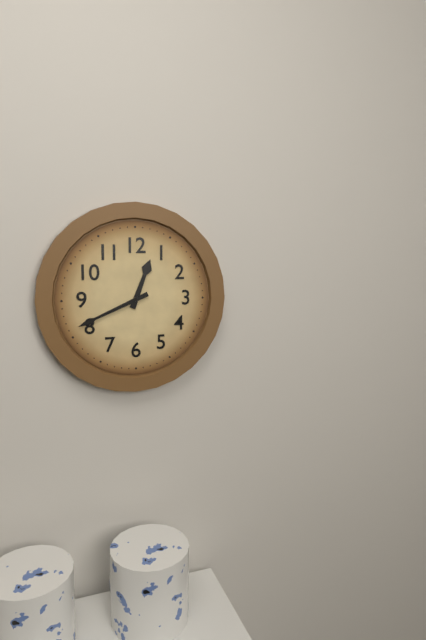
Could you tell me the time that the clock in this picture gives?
12:41
